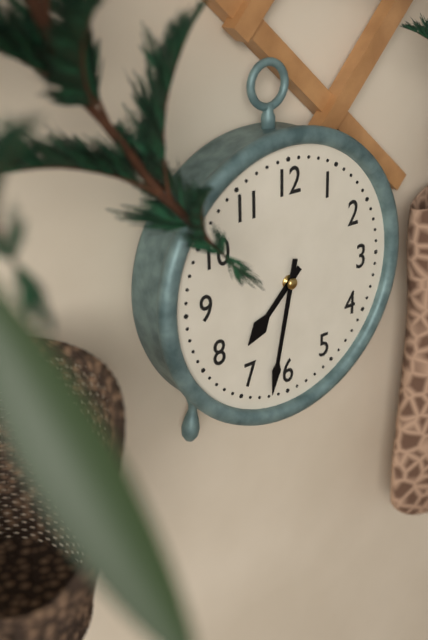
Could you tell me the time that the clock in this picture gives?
7:32
